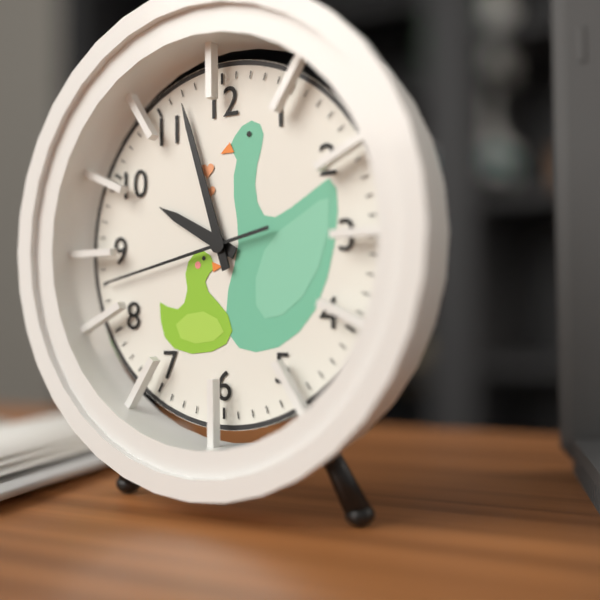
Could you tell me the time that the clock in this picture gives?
9:57:43
